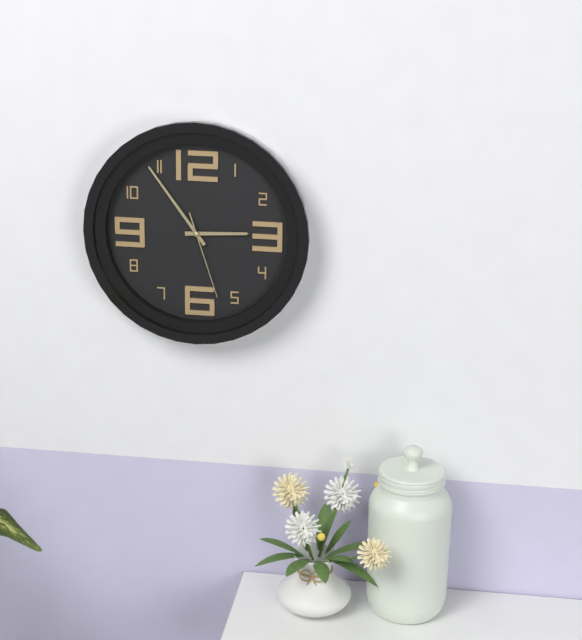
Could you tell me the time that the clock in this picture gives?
2:54:27
